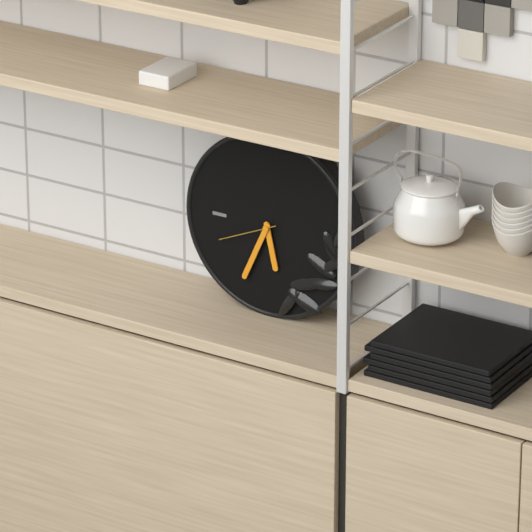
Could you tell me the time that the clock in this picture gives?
5:34:41
